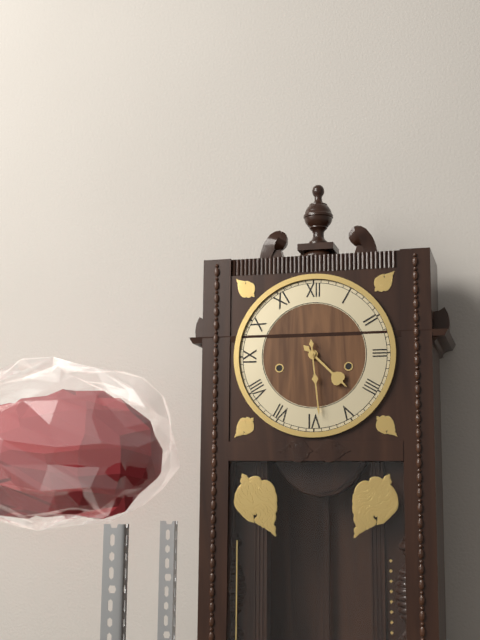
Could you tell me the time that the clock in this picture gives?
4:29
